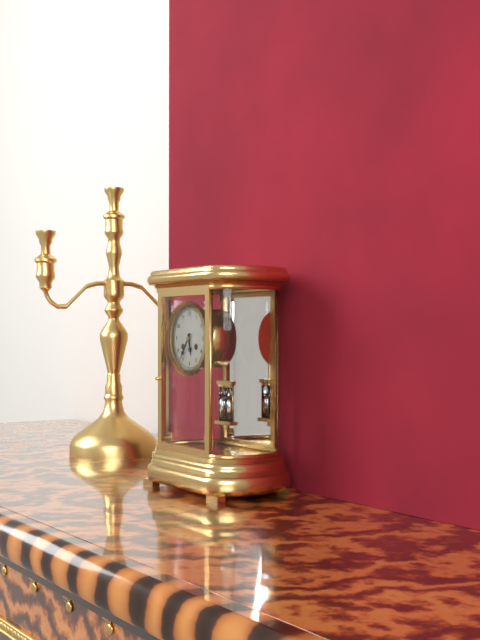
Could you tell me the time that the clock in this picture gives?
5:36
